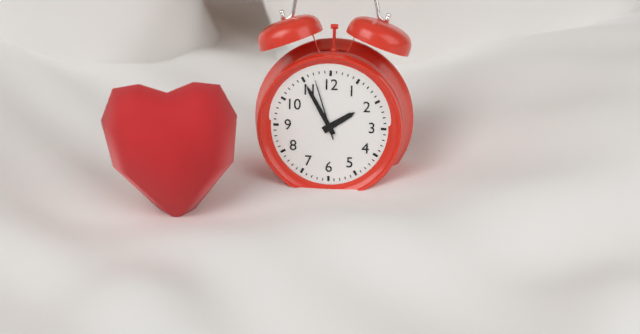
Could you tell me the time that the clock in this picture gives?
1:55:57
